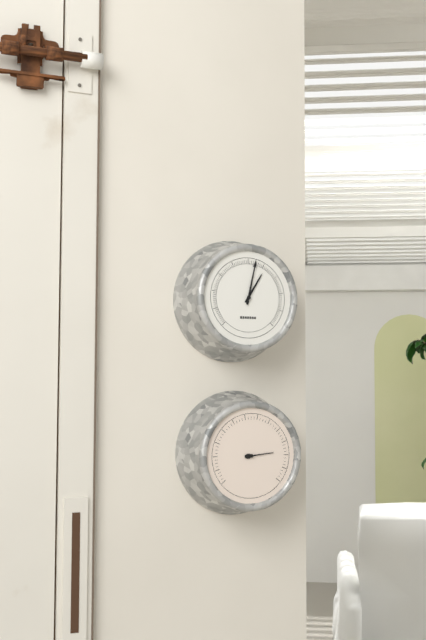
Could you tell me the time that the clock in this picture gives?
1:02
